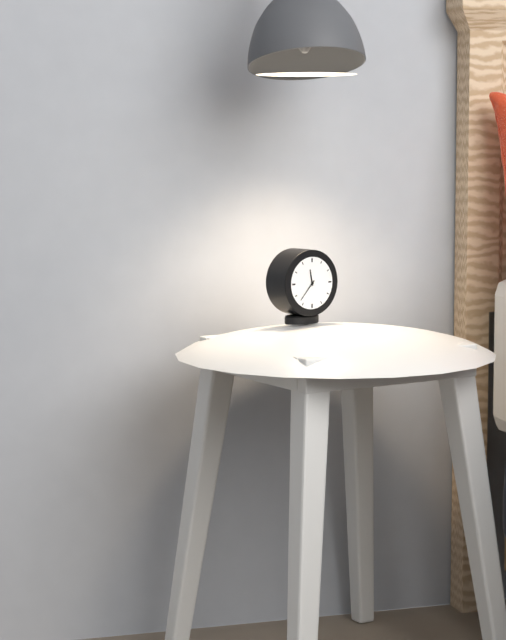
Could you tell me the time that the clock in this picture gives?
11:37
